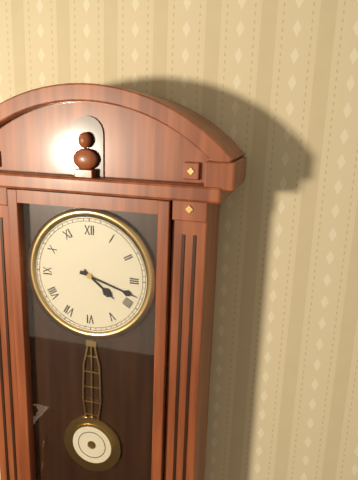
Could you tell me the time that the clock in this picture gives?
4:18
